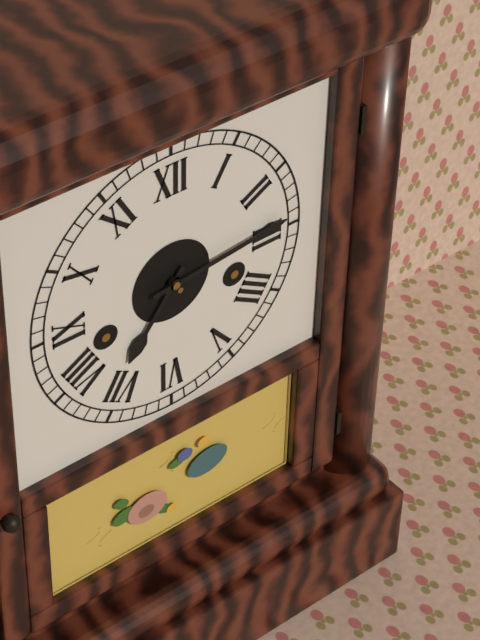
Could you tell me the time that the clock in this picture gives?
7:14
